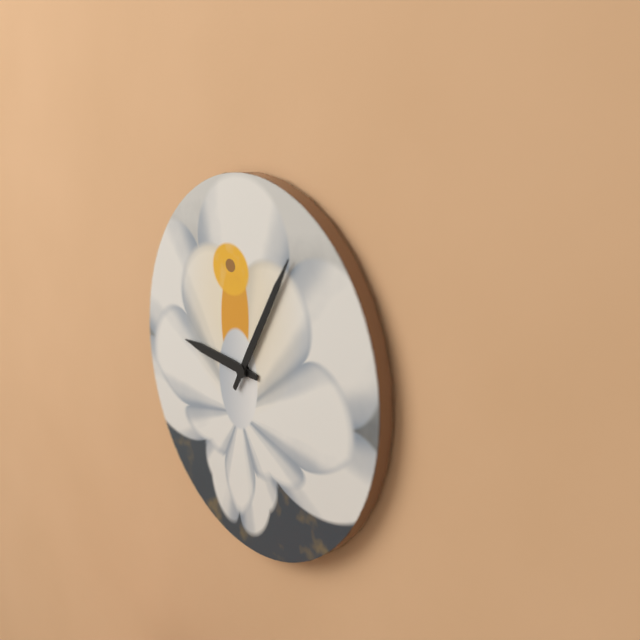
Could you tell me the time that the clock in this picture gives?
9:05
